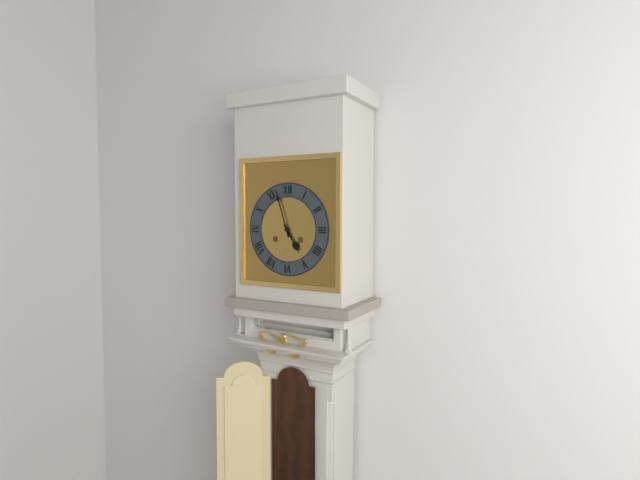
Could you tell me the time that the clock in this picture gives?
4:57
